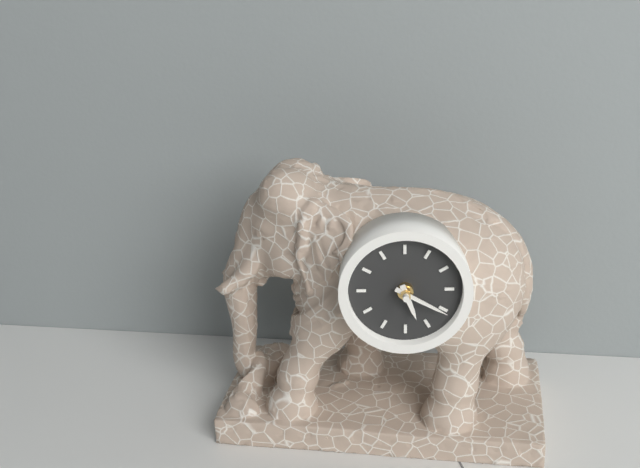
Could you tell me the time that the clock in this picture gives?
5:20
